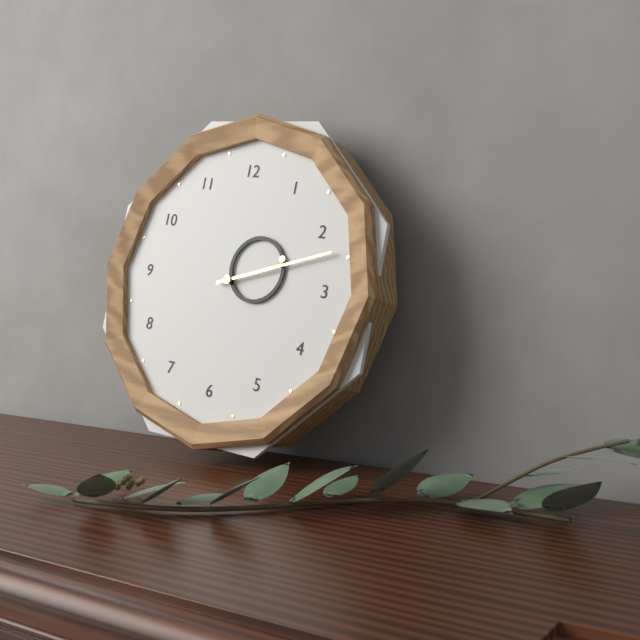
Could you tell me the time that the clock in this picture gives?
2:12
